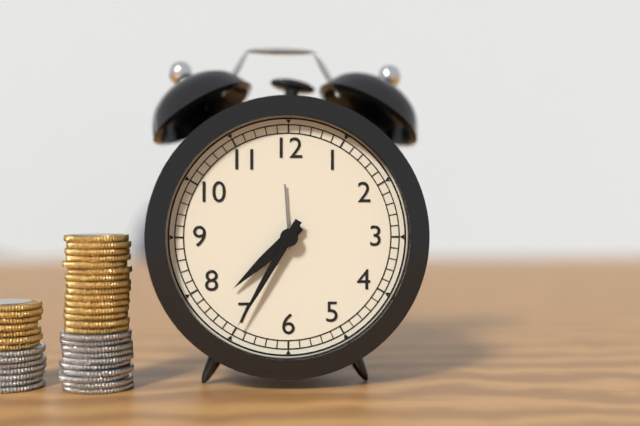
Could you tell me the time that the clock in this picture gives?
7:35
